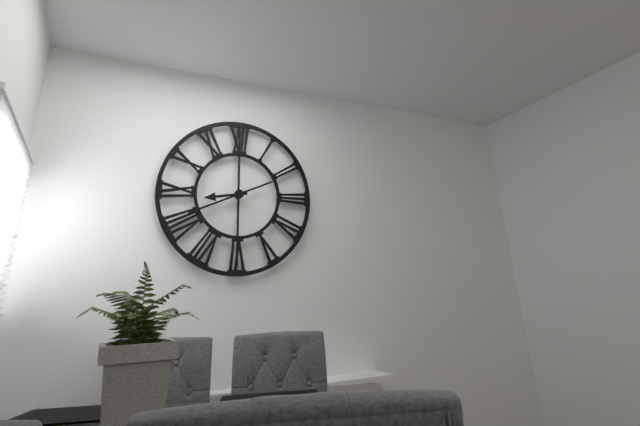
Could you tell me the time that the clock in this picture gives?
8:41
